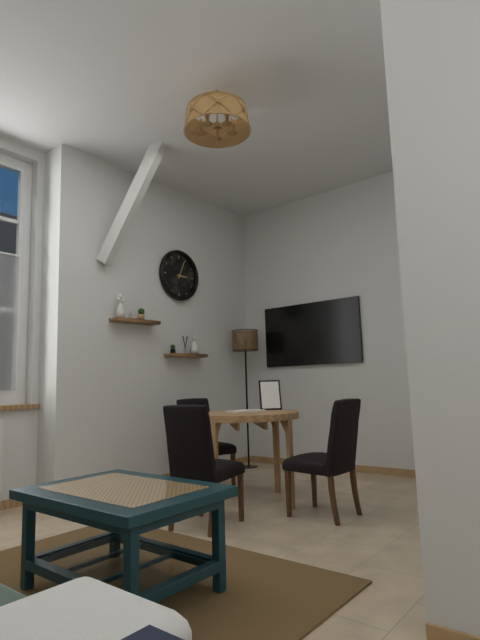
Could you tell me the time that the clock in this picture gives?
3:04
